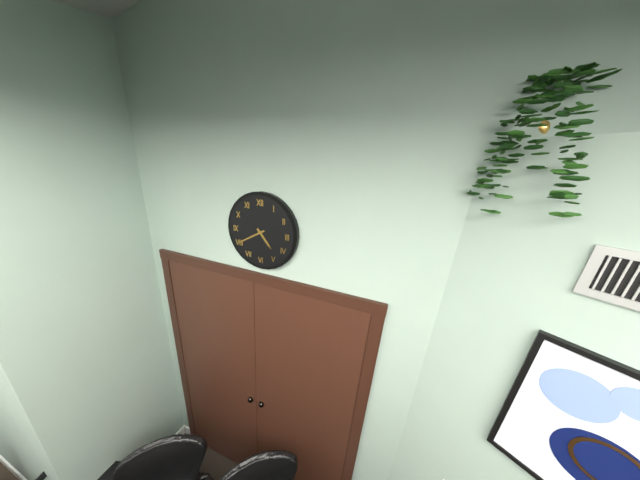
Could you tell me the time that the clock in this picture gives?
4:40
